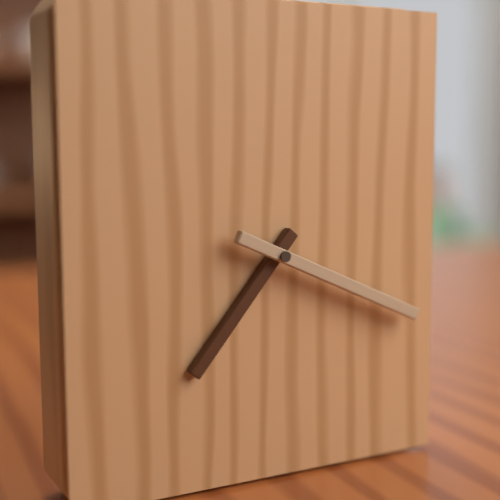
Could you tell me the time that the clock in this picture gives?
7:19
